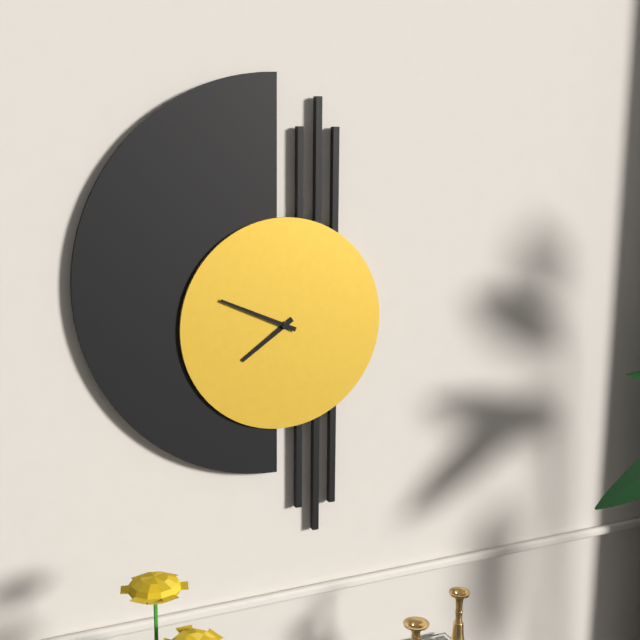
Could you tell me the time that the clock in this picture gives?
7:49
